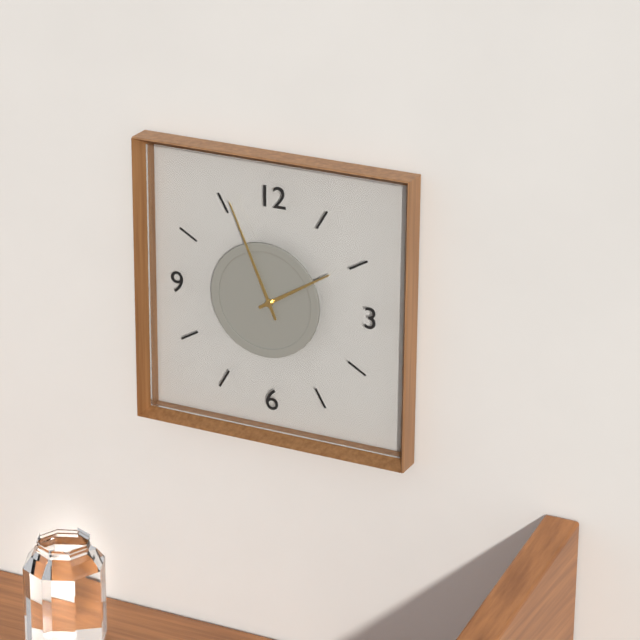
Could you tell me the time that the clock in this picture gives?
1:56
